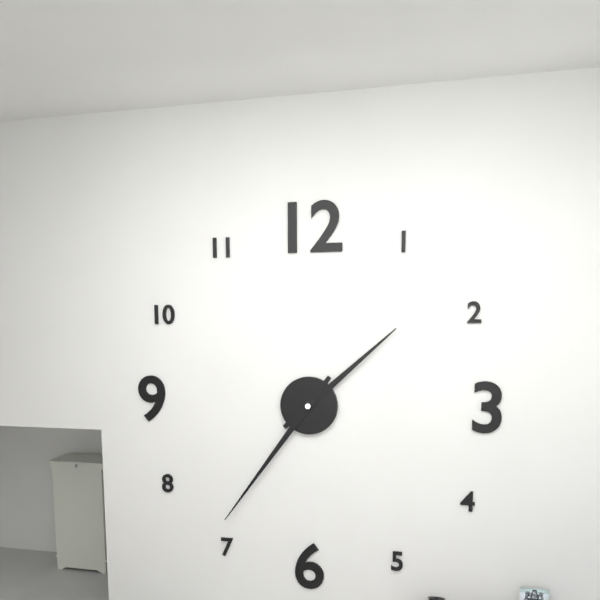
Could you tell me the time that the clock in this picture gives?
1:36
